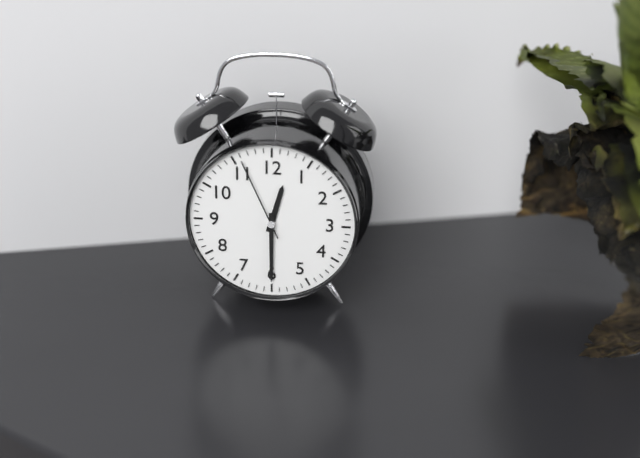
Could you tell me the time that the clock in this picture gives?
12:30:56
